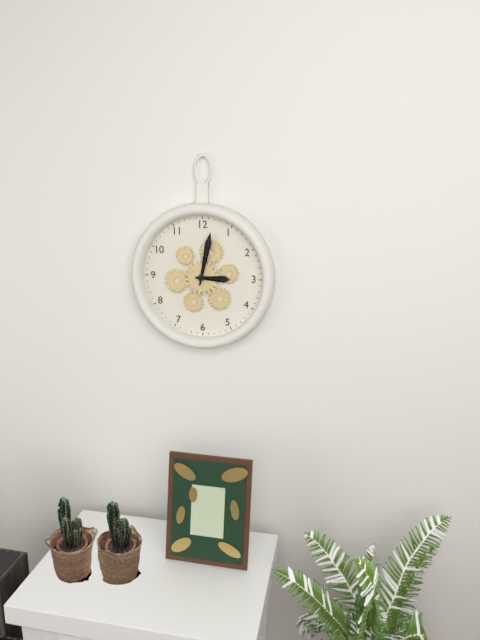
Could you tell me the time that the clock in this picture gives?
3:02
